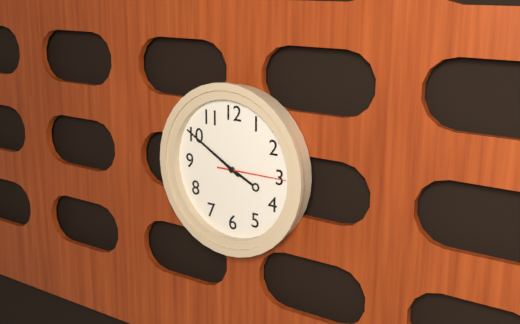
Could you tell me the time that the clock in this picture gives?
3:50:15
